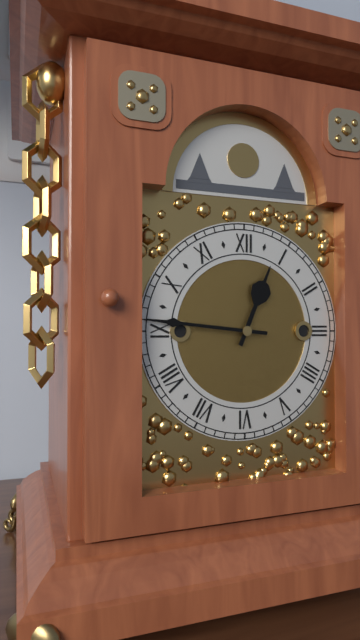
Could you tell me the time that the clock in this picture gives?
12:46
